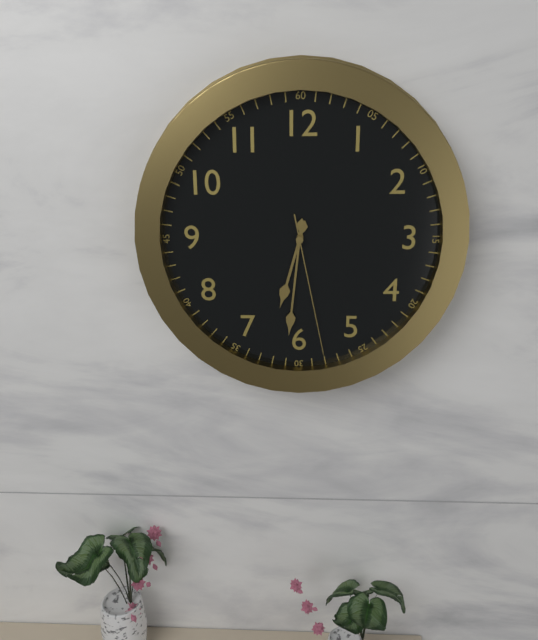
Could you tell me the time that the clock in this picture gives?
6:31:28
